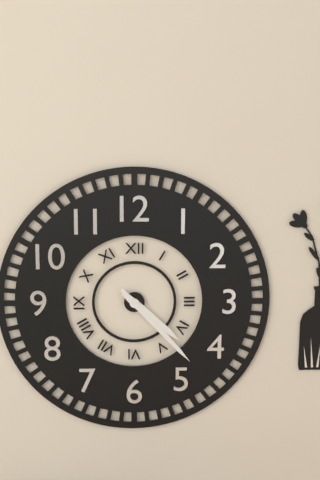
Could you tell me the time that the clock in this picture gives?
4:23
